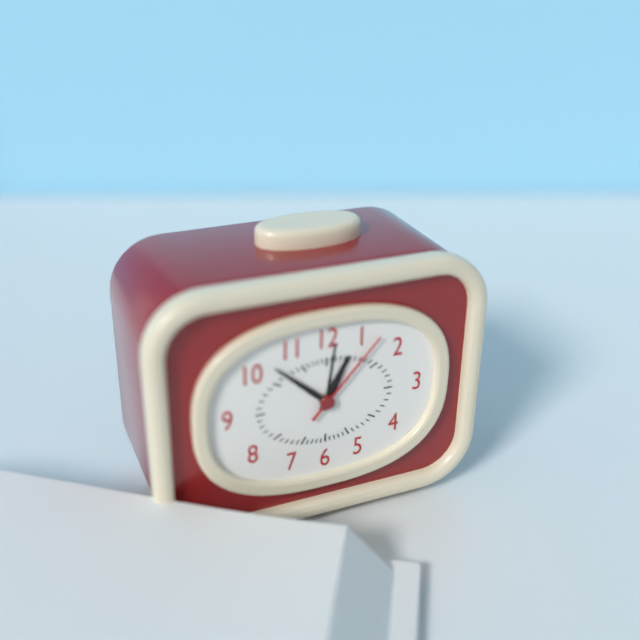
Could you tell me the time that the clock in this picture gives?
12:52:07
